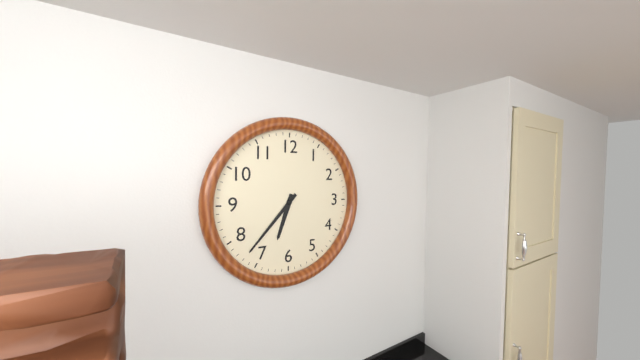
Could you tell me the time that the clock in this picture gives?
6:37
